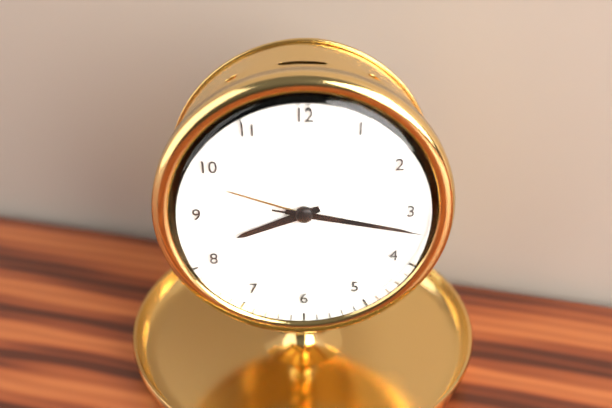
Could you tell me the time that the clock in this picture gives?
8:17:17
